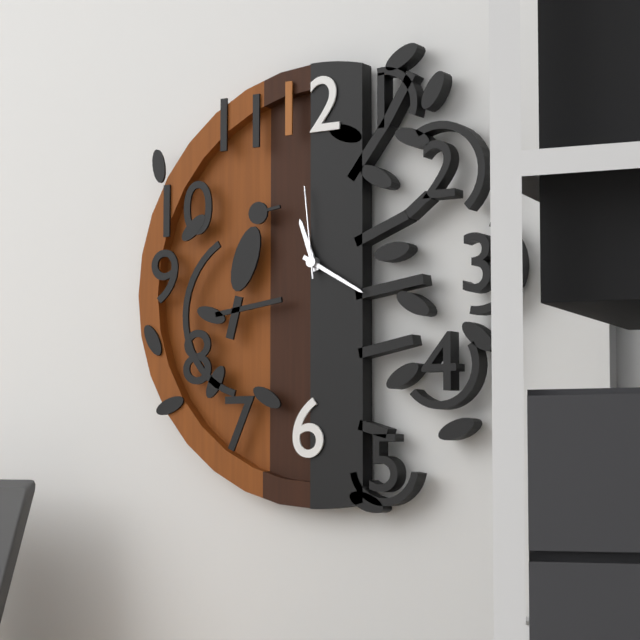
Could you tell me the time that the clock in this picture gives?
11:20:59
